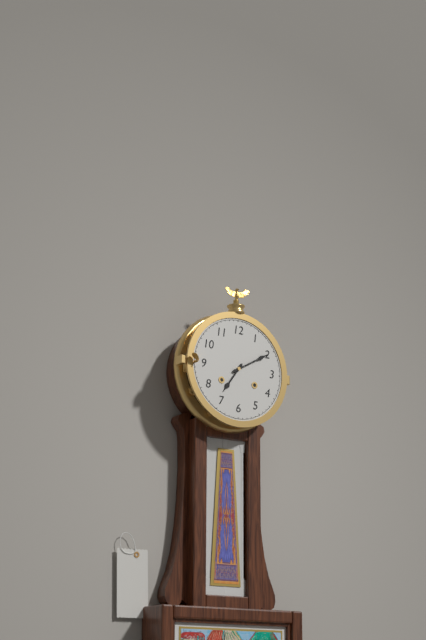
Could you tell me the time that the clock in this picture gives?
7:10
